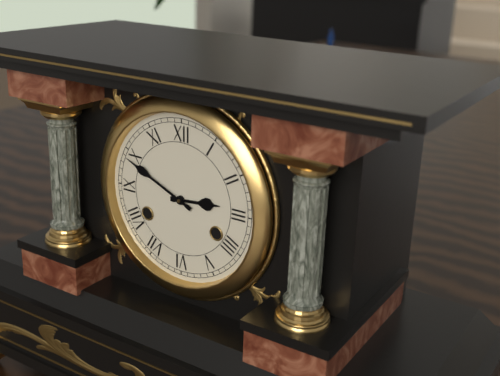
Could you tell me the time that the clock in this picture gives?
2:49
